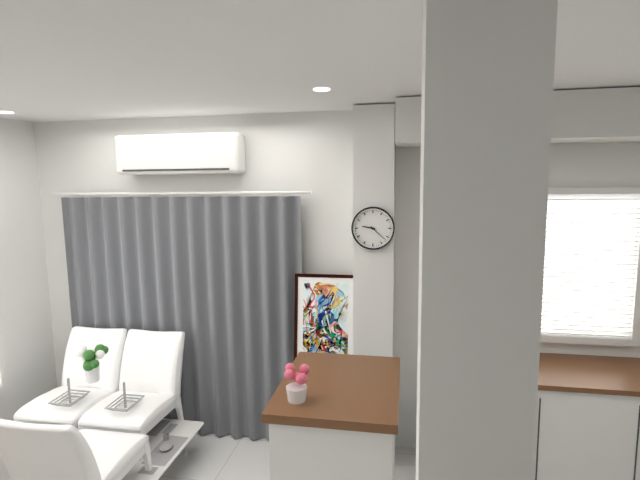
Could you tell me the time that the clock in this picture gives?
9:22
